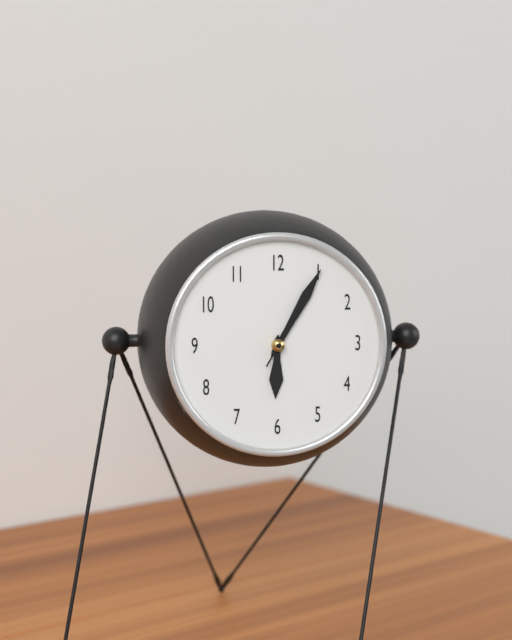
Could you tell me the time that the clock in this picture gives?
6:05:05
